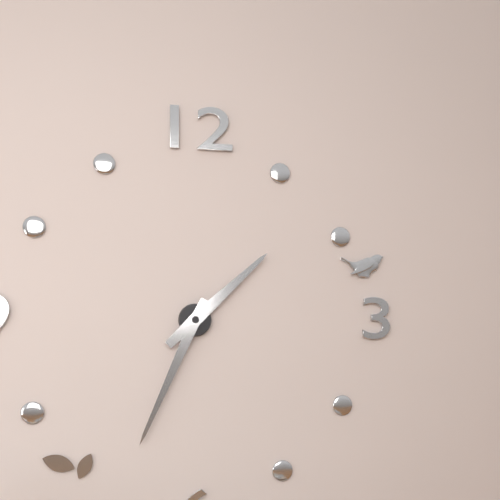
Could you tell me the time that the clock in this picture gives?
1:34
